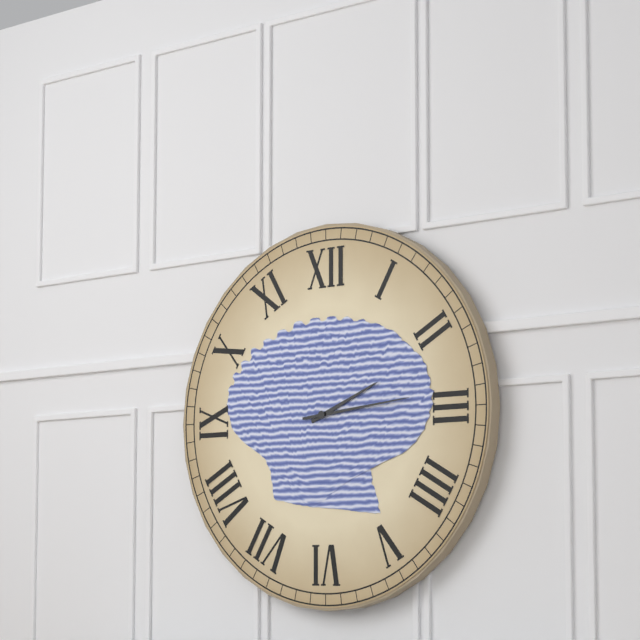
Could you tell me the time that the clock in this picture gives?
2:14
